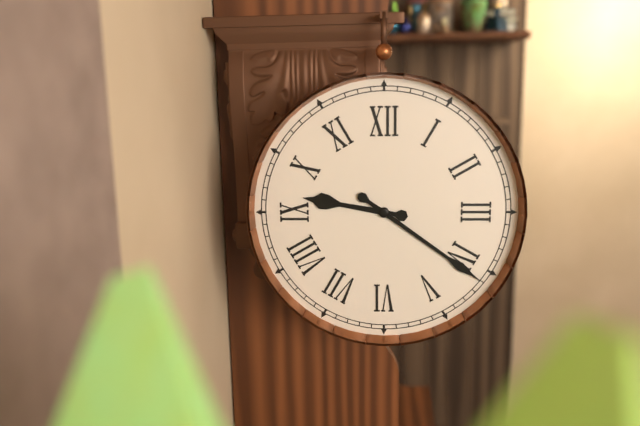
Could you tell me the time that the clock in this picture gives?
9:21
